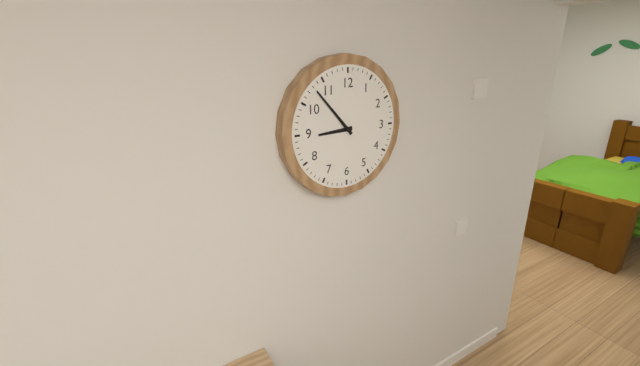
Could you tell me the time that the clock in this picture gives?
8:53
